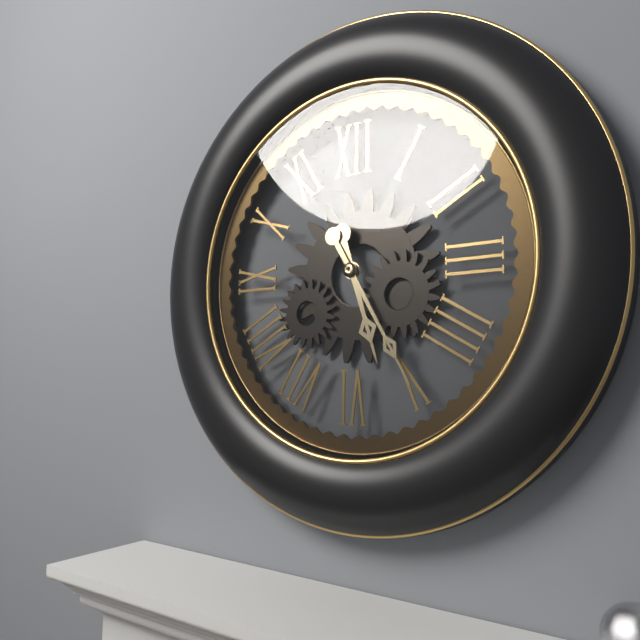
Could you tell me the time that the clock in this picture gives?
5:25
